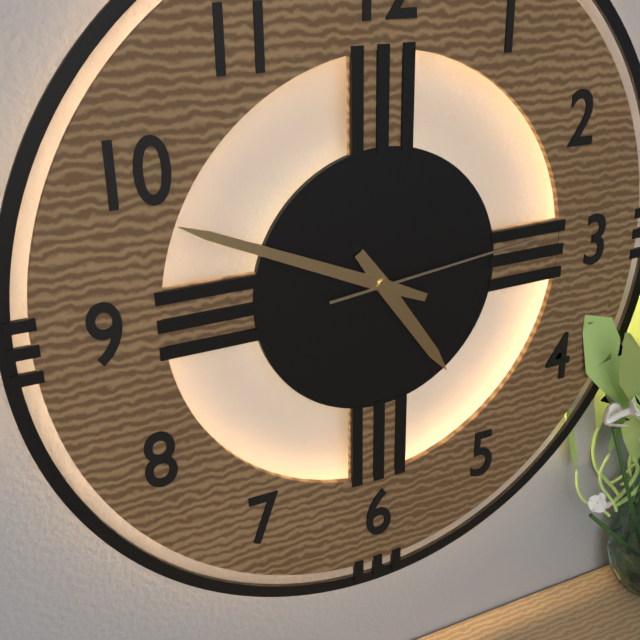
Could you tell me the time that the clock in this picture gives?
4:49:14
